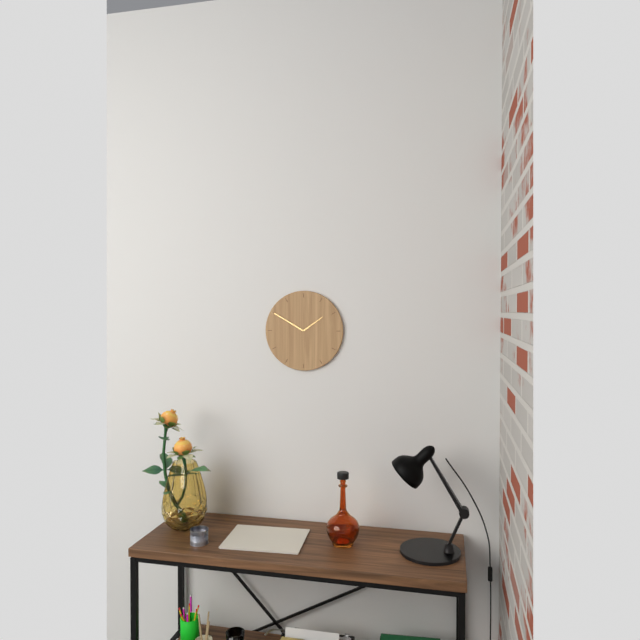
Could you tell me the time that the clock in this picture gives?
1:50
